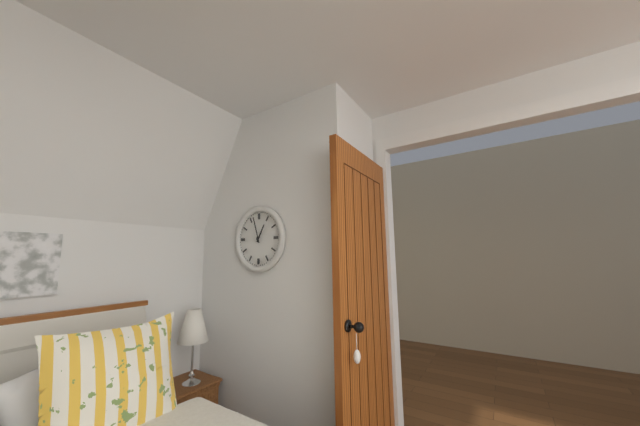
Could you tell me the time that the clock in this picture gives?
12:57
